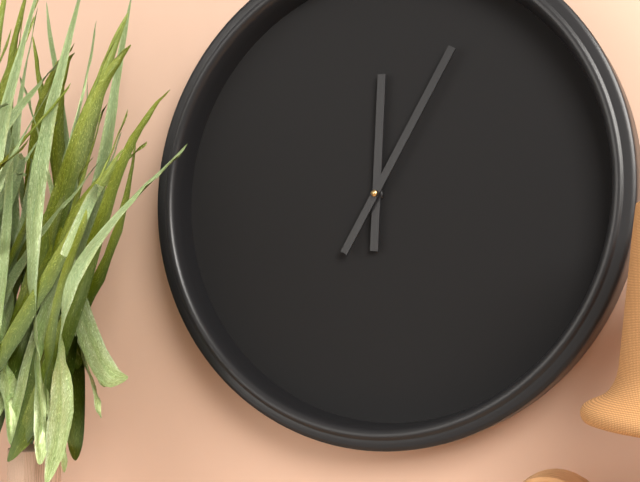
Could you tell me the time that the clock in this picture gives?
12:05
